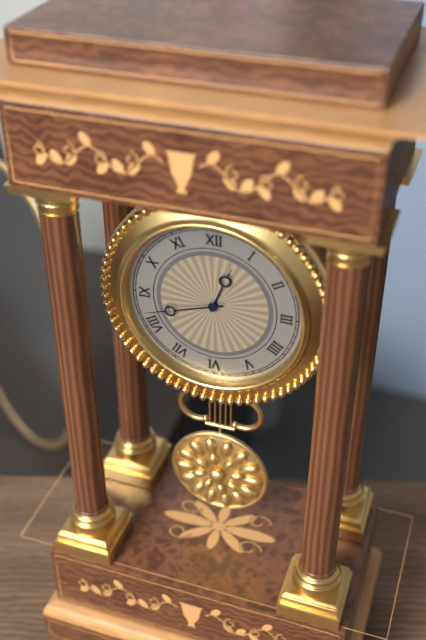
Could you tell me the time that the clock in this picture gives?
12:42
